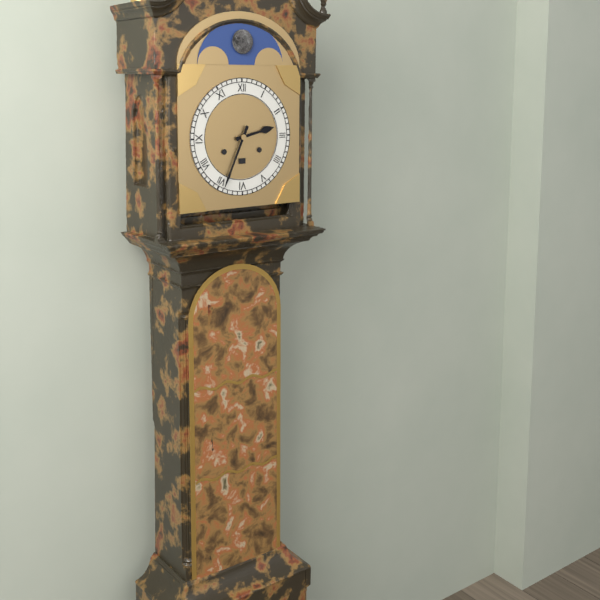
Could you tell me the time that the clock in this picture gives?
2:34
